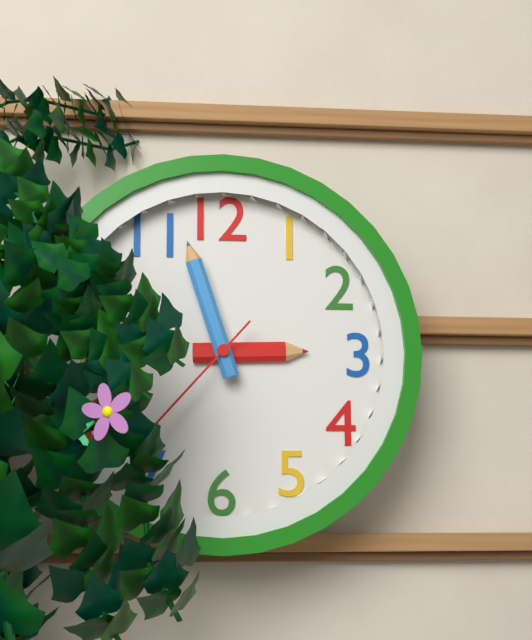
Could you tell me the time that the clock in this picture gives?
2:57:37
